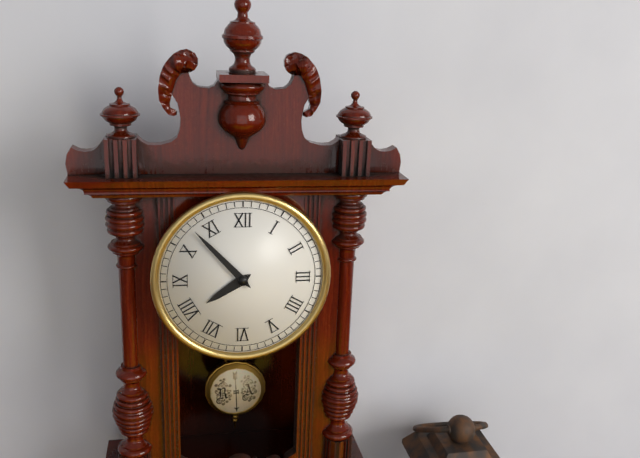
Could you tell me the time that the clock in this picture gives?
7:53
